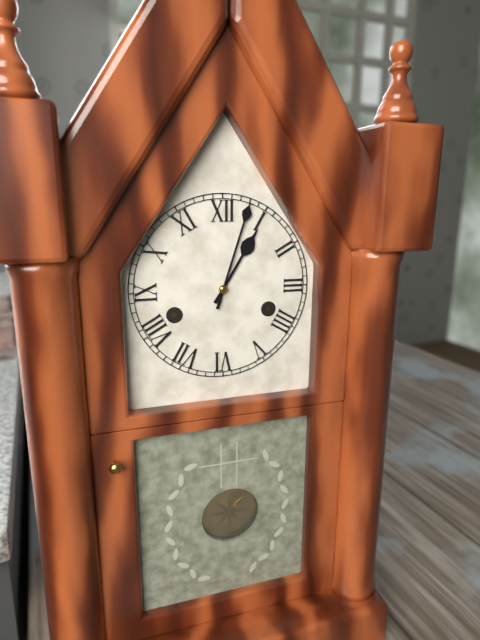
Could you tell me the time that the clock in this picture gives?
1:03
